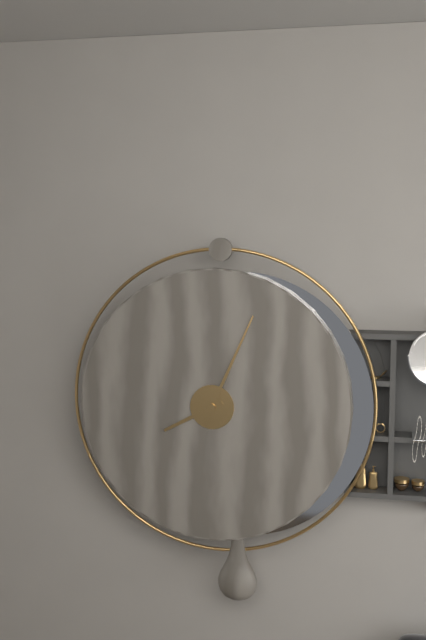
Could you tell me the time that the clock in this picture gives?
8:04
